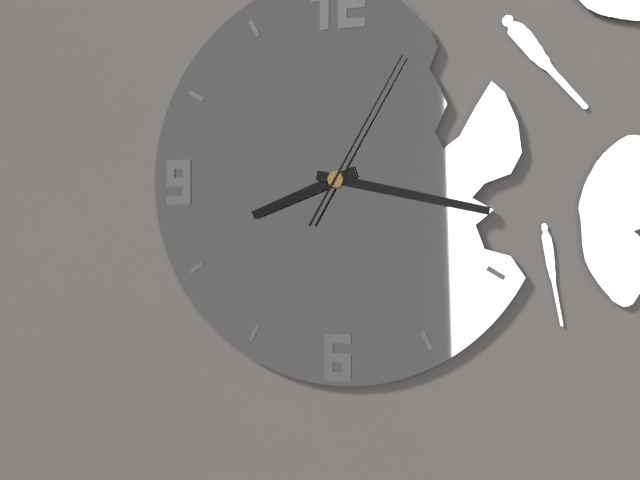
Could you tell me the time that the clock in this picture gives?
8:17:05
